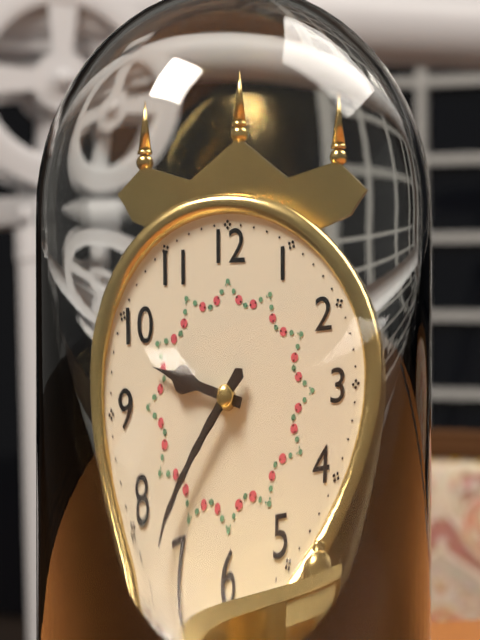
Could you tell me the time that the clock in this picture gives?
9:37
